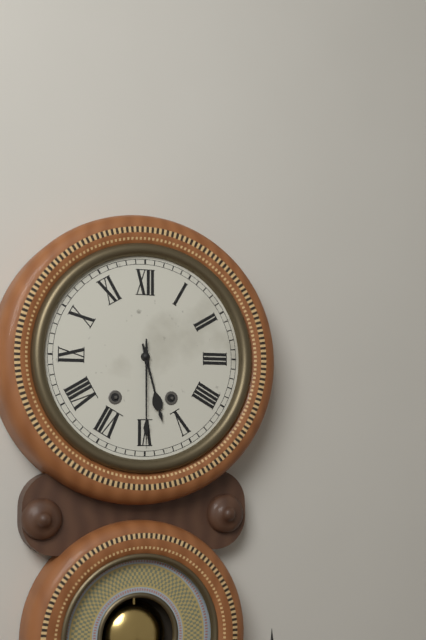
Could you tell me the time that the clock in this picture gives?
5:30
